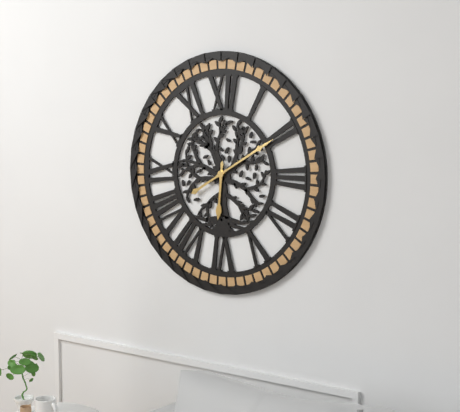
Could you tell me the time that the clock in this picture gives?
6:10
